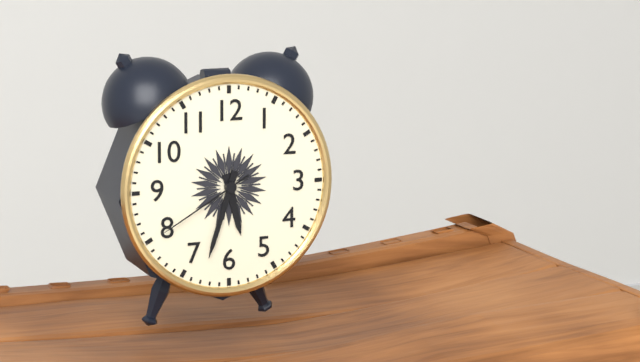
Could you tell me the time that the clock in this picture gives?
5:33:40
